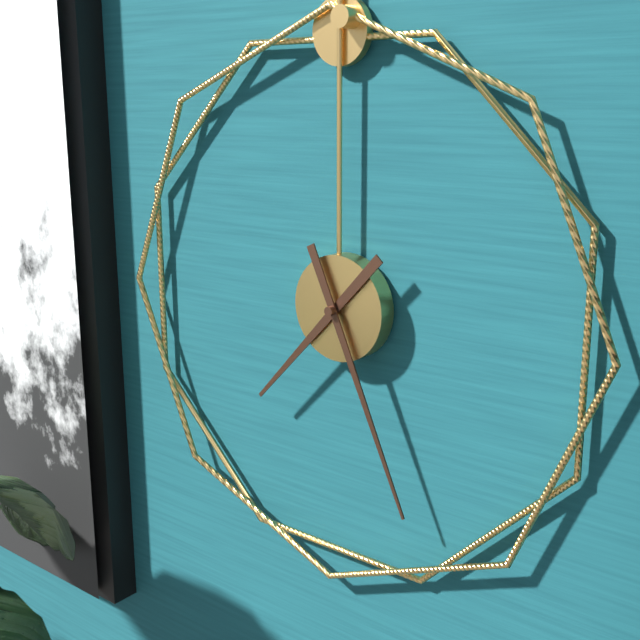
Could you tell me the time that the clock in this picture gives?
7:26
